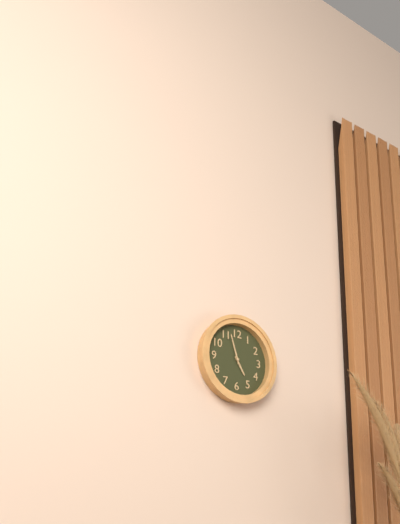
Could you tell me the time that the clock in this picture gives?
4:57
